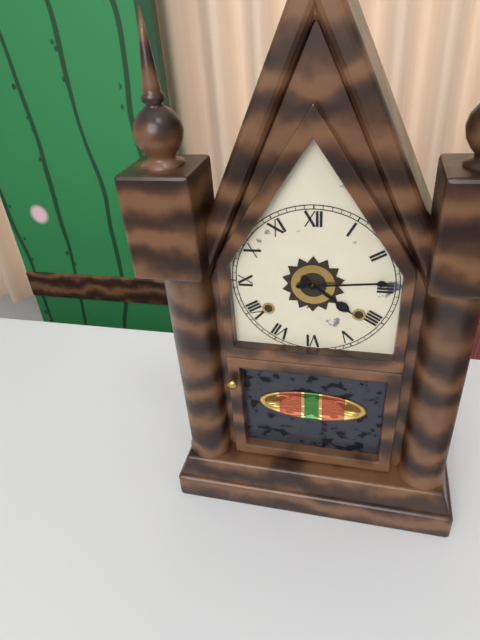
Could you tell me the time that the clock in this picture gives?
4:14
